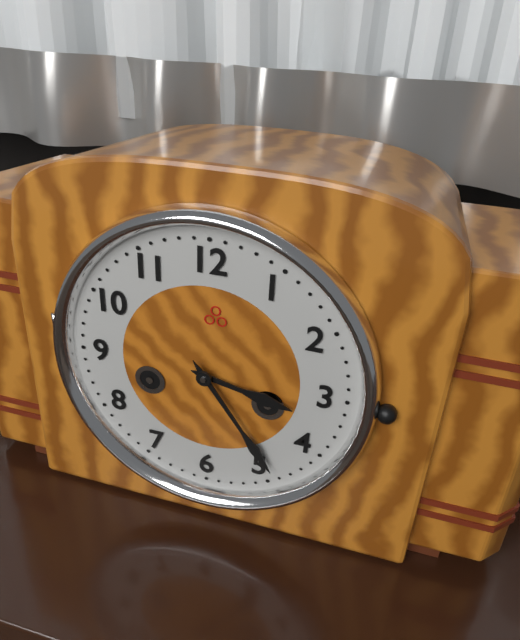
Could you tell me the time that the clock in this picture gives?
3:24
